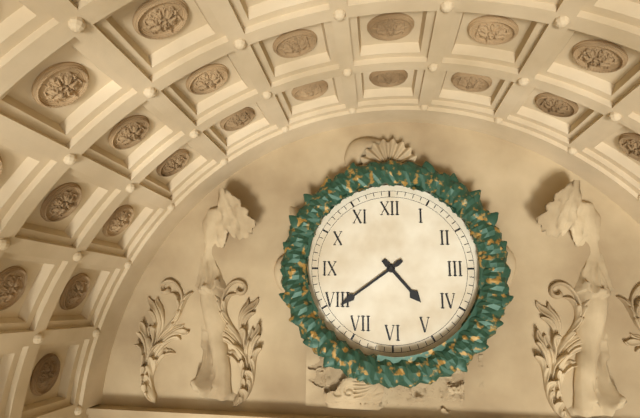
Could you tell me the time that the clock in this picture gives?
4:39
